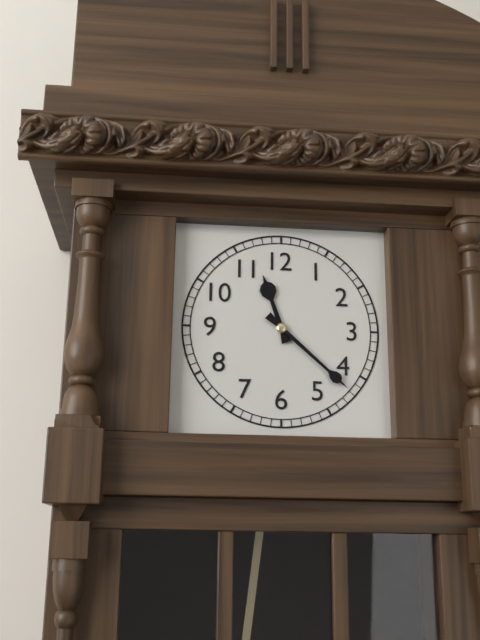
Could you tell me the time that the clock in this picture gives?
11:22
